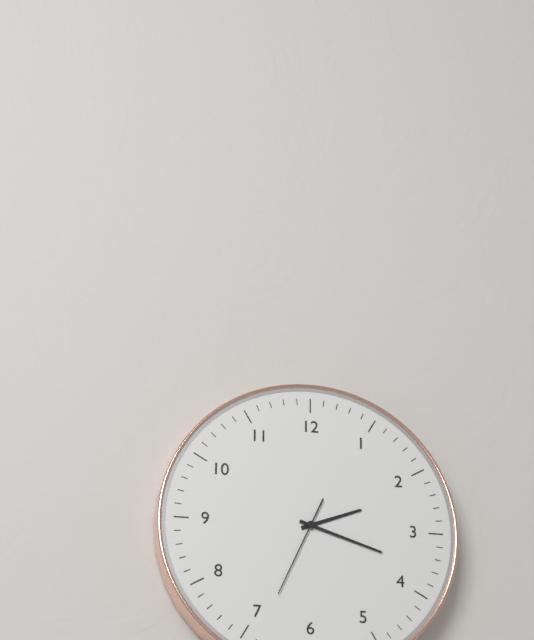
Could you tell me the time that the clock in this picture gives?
2:18:34
